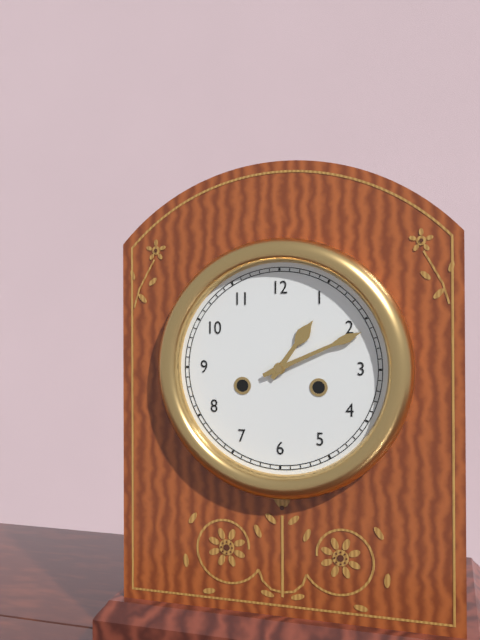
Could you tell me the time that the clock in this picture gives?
1:11
